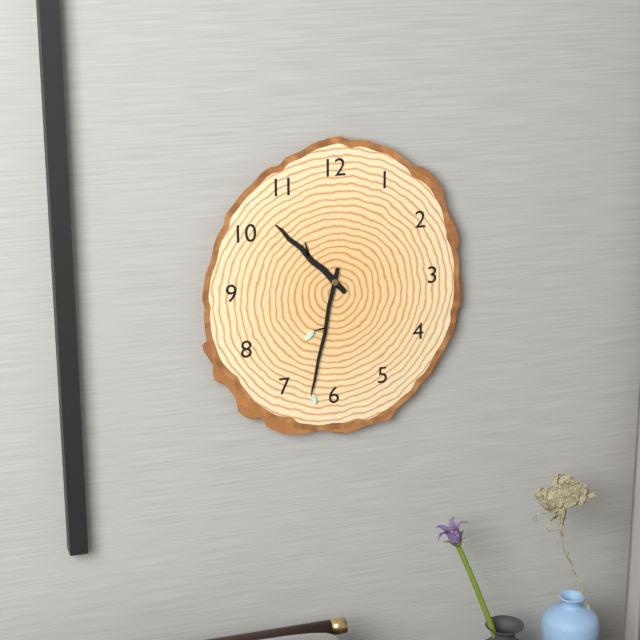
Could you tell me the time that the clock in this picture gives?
10:32
